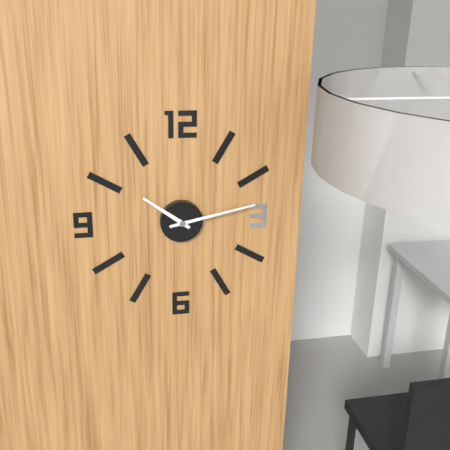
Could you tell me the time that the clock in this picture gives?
10:13
